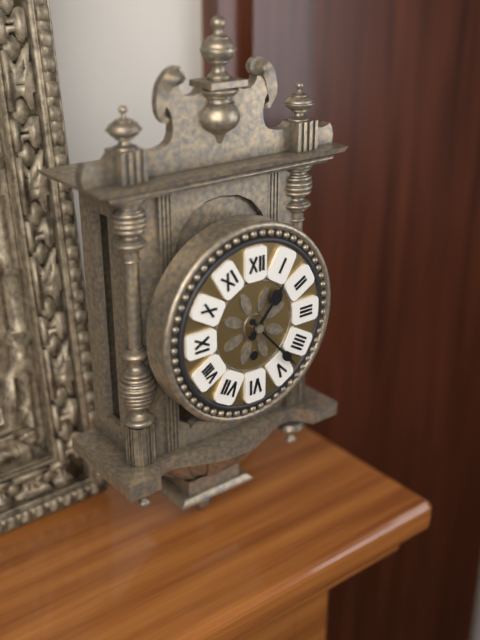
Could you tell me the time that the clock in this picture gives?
1:23
